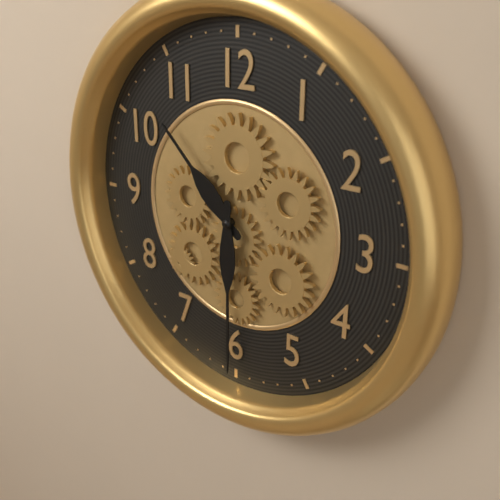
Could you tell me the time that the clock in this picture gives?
10:30
